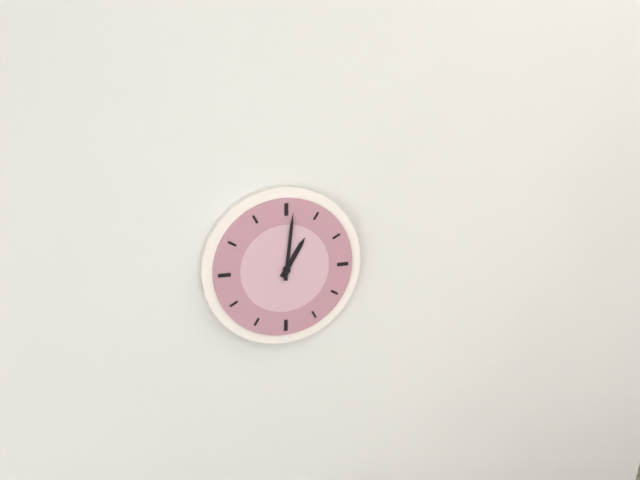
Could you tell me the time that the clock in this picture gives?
1:01
